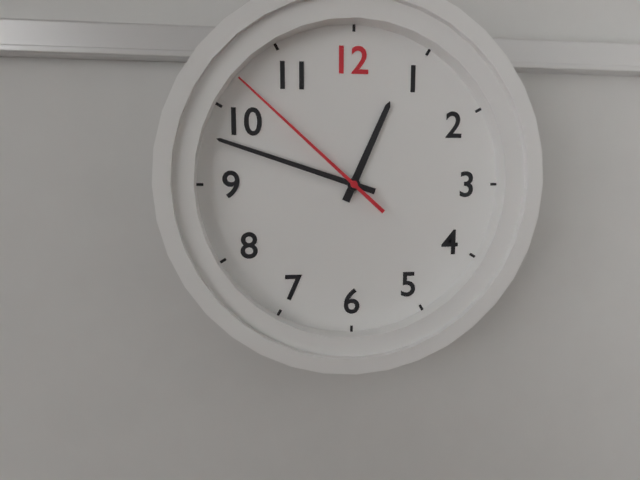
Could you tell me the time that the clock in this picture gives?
12:48:52
